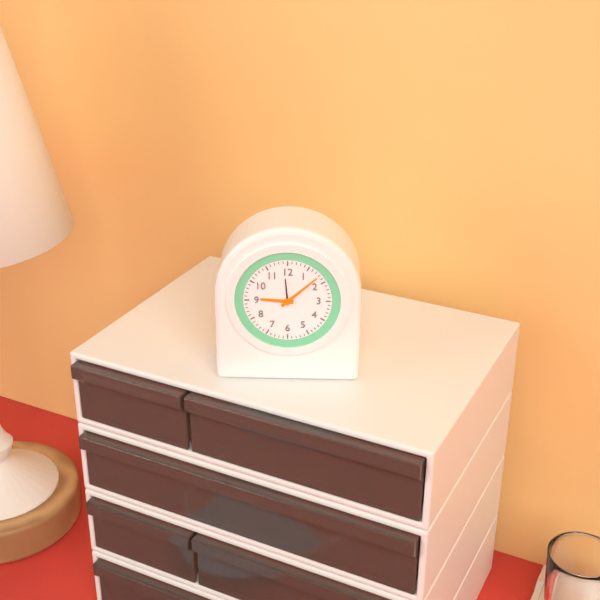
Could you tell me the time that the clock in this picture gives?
9:08
